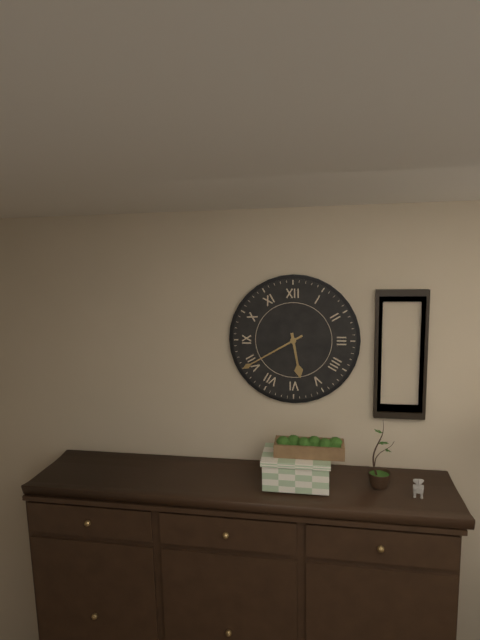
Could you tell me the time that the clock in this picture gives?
5:40
